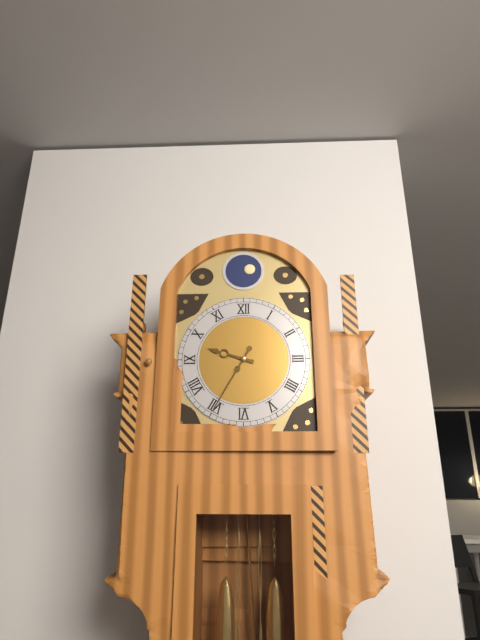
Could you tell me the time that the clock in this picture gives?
9:35
